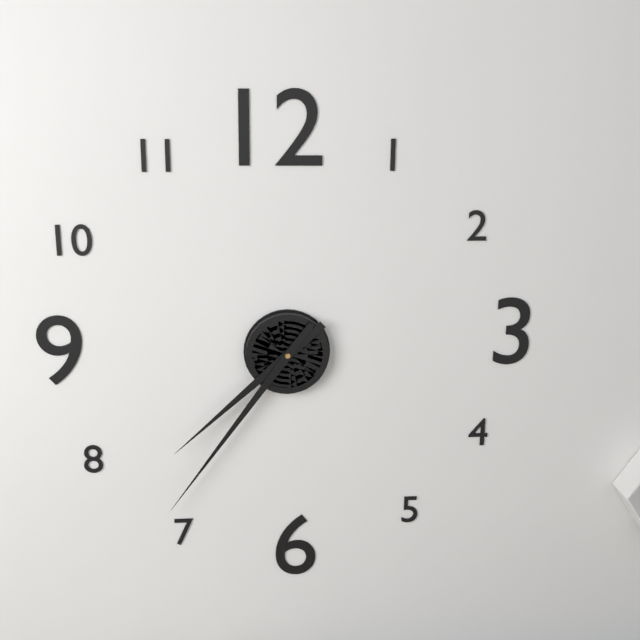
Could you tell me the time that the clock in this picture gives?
7:36
